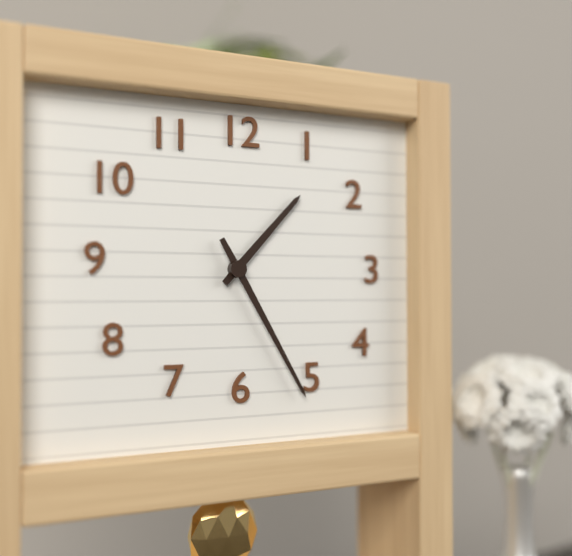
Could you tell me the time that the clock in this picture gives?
1:25
